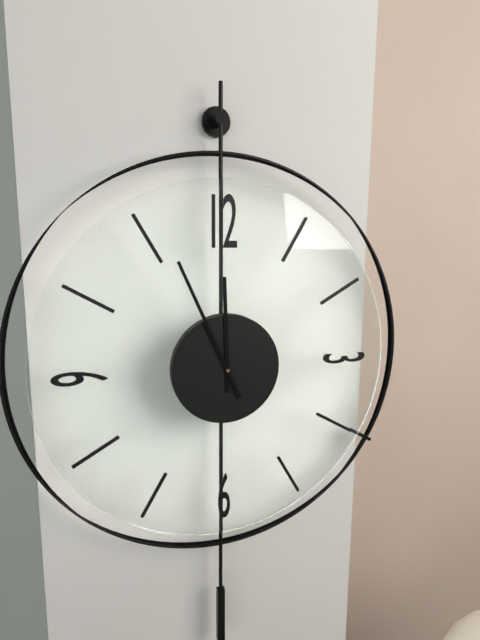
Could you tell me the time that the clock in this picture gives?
11:56
